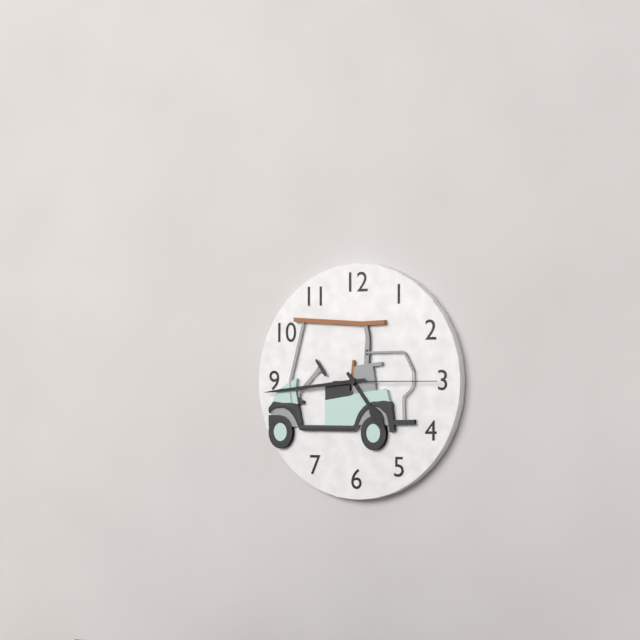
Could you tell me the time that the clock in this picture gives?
4:44:15
